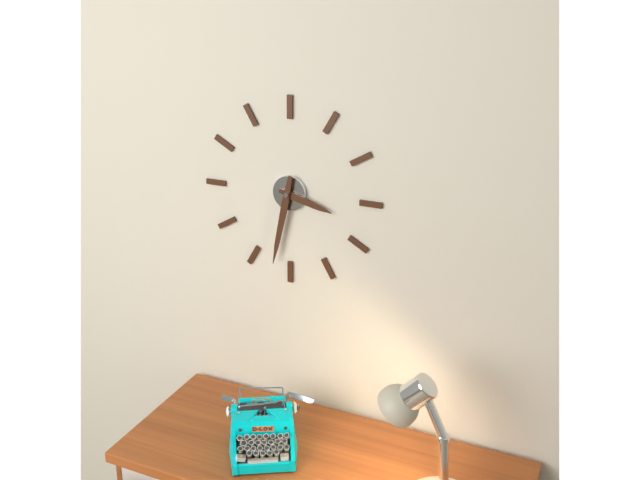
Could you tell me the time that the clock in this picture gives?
3:32
